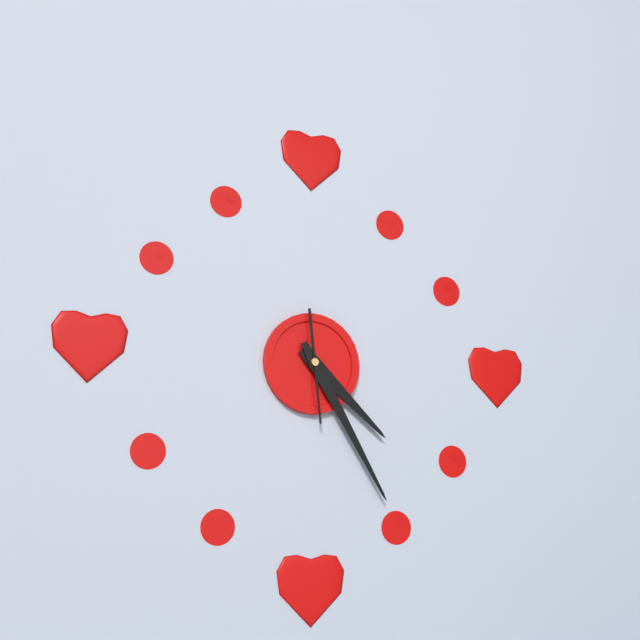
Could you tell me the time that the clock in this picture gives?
4:25:29
